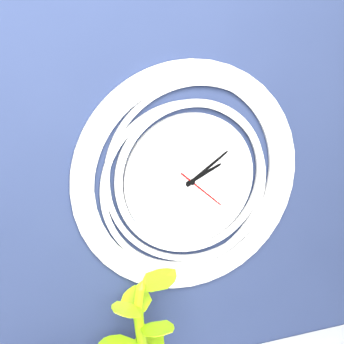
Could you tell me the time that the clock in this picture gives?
2:09
